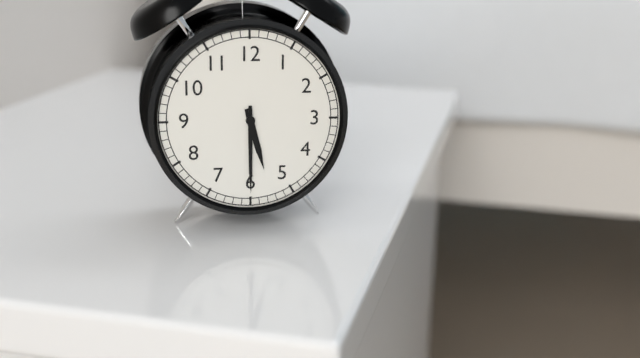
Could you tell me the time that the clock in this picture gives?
5:30
